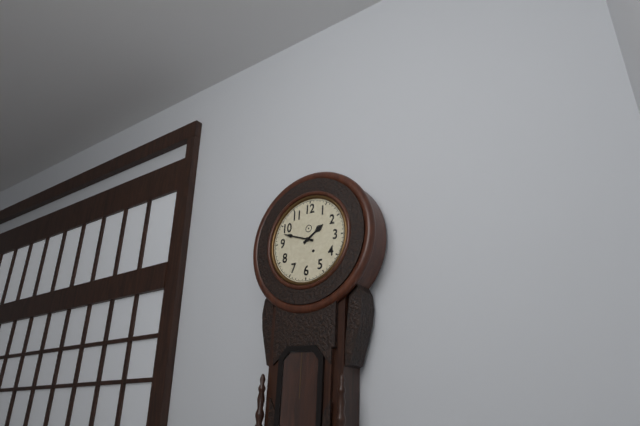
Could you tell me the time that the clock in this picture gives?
1:48
